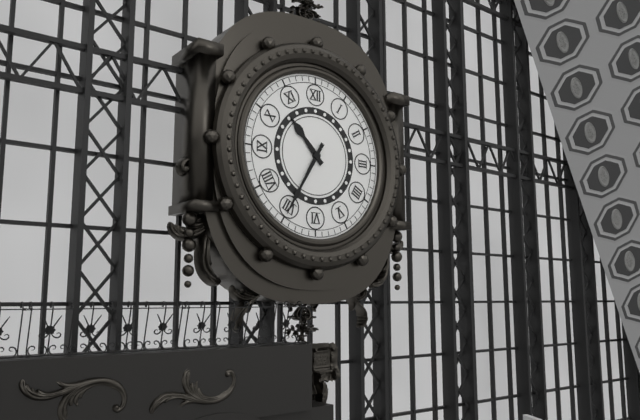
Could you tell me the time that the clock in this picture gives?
10:35
